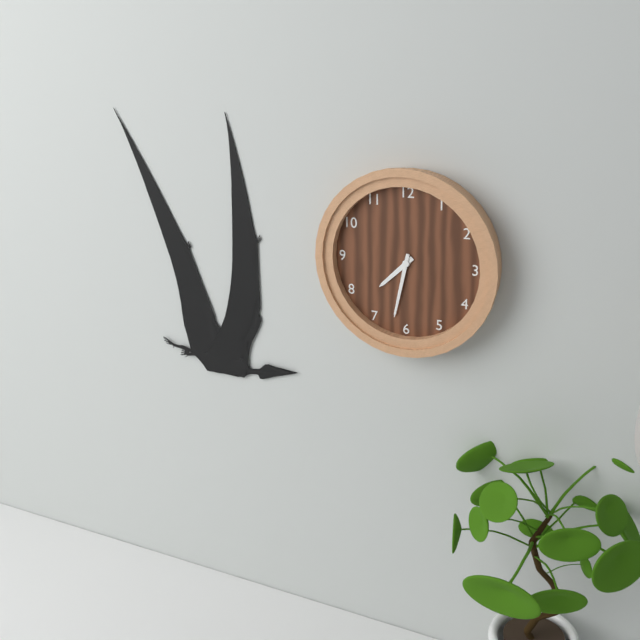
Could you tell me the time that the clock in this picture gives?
7:32
